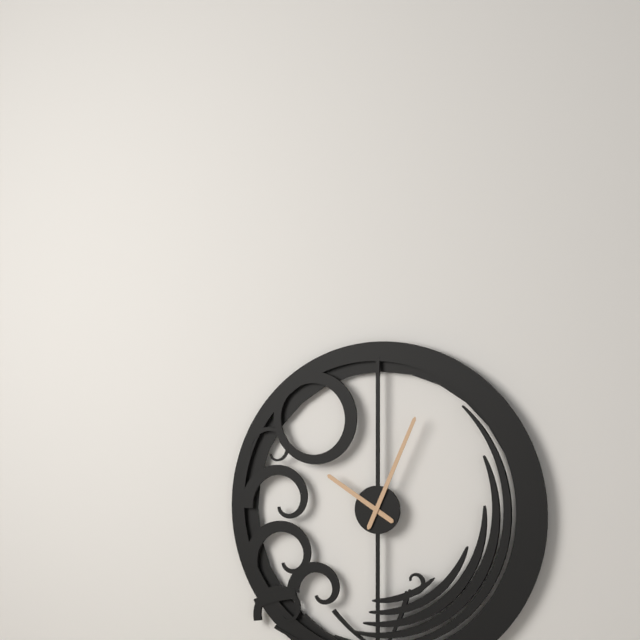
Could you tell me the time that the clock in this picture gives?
10:04
